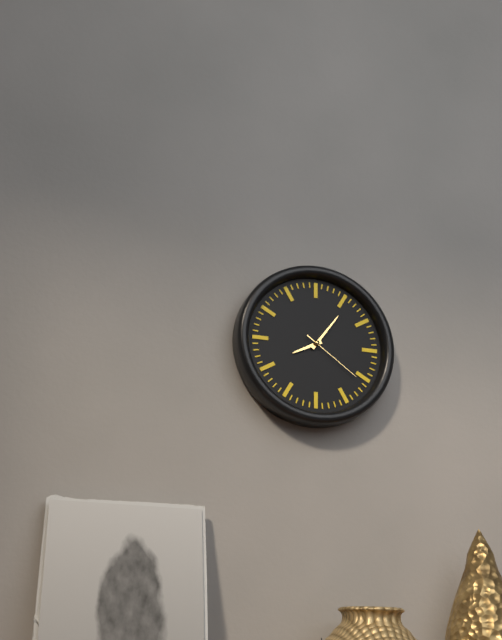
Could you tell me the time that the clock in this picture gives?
8:06:21
